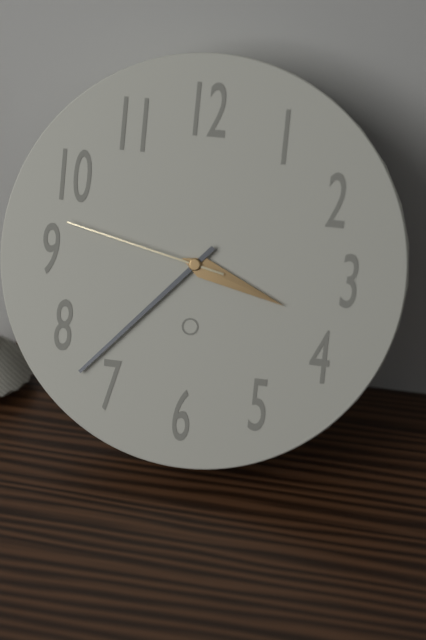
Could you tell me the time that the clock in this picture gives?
3:37:47
